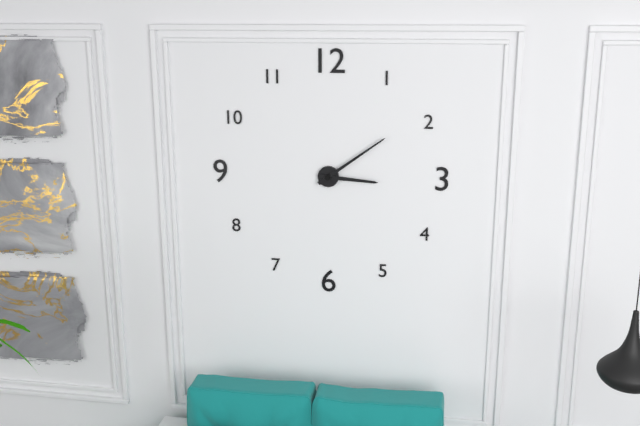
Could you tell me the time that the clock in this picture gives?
3:09
